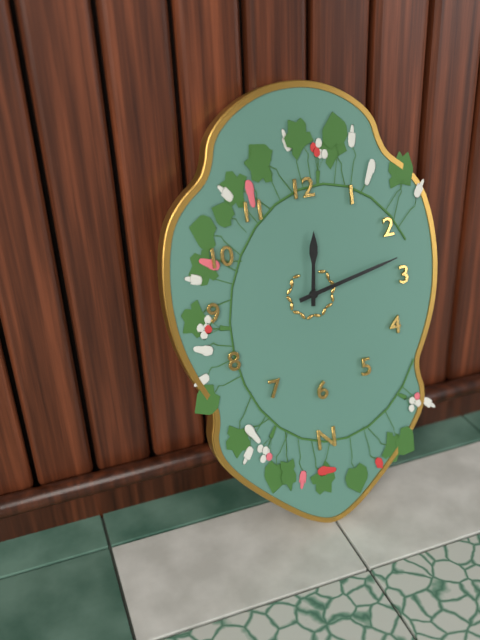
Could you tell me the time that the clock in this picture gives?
12:13
